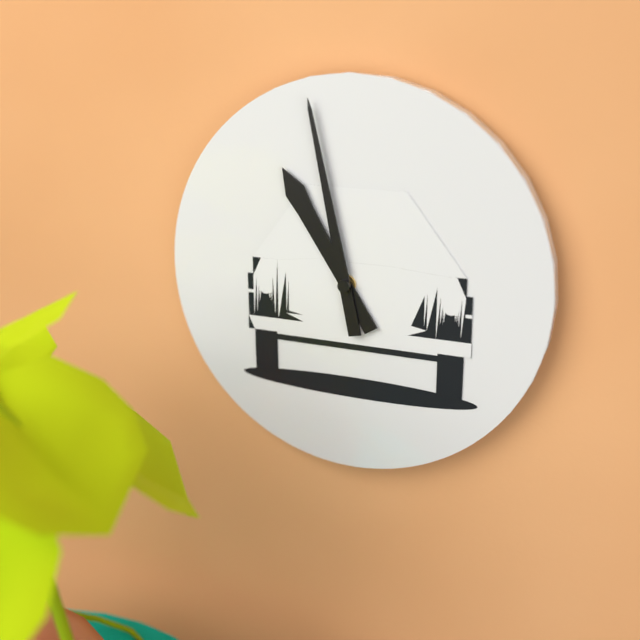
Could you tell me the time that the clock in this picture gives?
10:58
